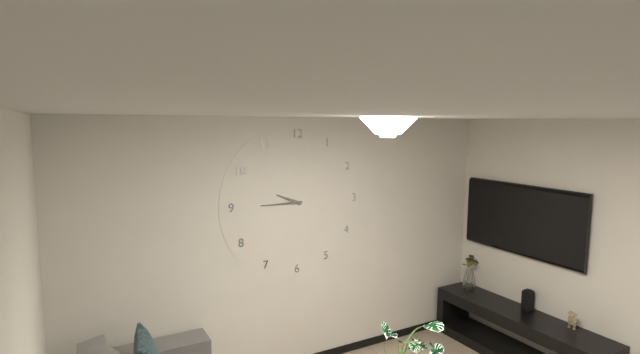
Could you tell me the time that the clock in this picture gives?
9:45
